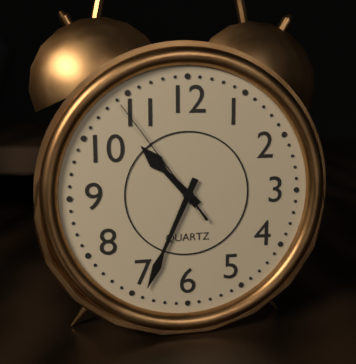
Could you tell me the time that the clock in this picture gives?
10:34:54
